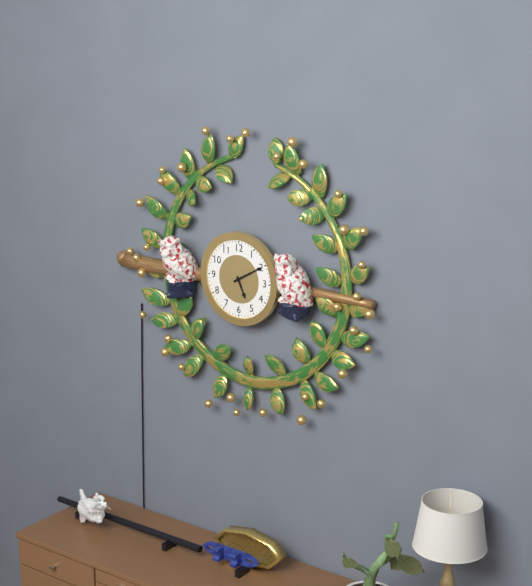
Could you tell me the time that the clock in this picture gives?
5:10
